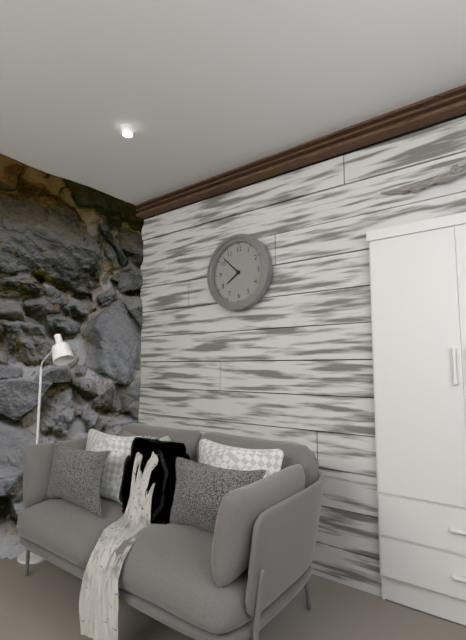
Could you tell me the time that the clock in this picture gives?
7:52
